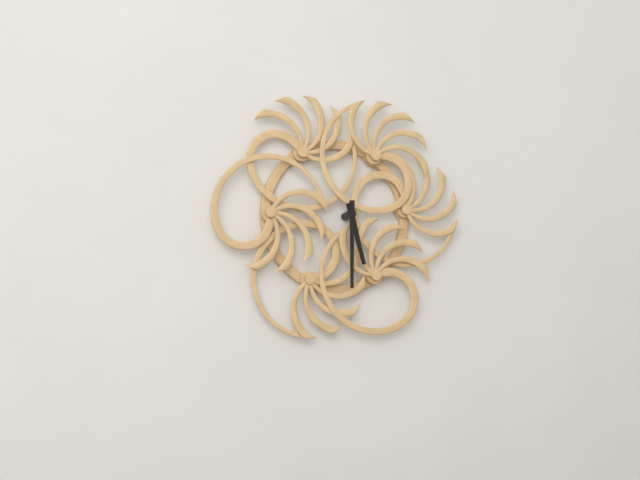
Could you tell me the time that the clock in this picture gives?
5:30
